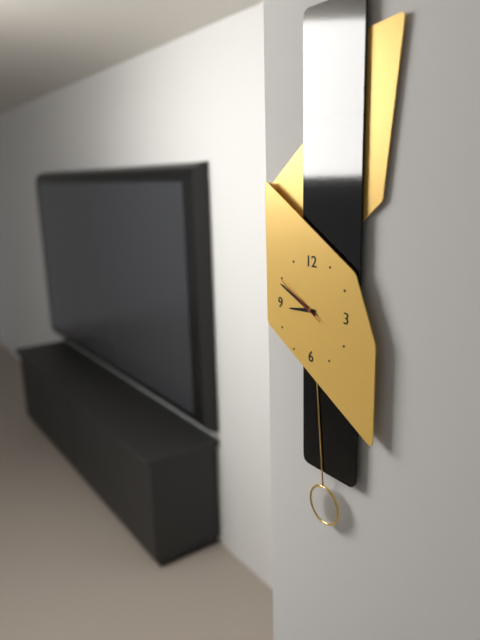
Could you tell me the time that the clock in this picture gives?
8:49:50
